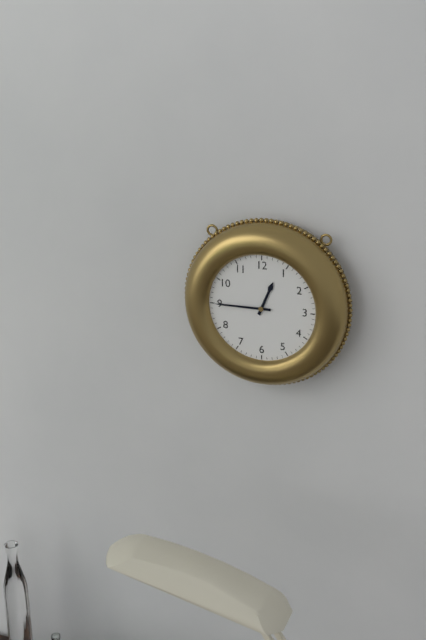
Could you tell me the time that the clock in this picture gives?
12:45
